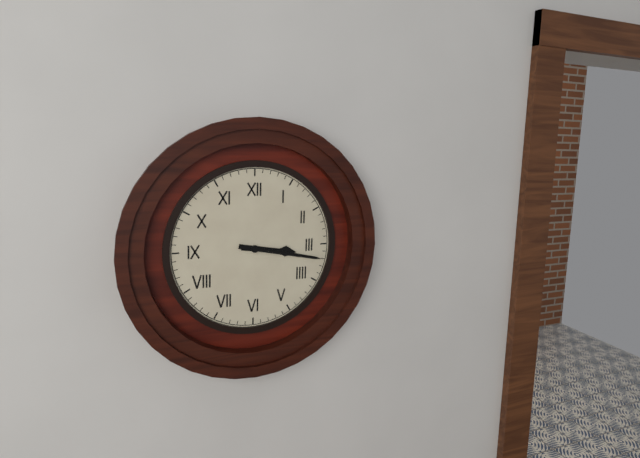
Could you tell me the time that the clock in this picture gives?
3:17
